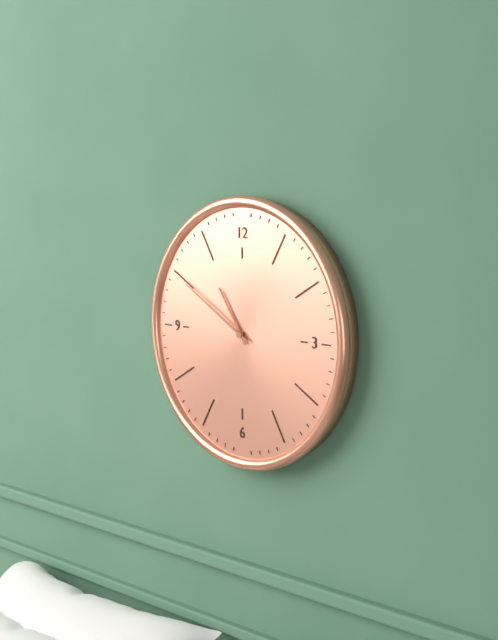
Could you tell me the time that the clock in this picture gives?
10:50
